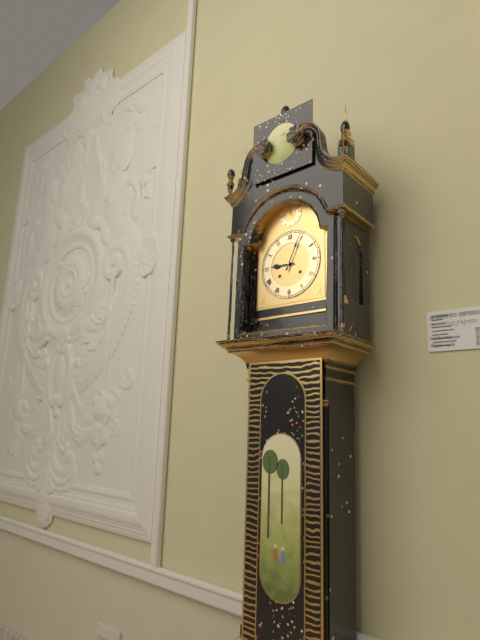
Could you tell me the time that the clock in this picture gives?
9:04
